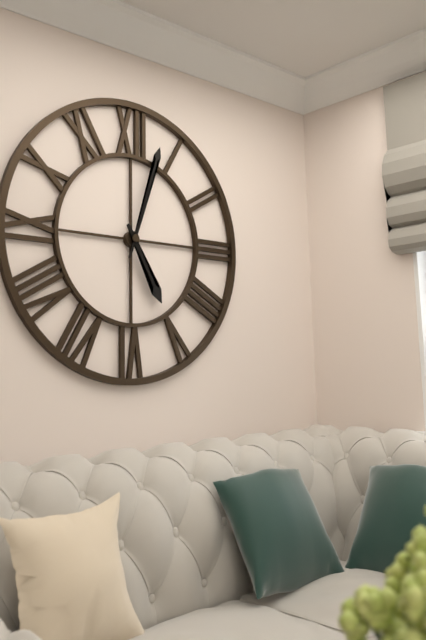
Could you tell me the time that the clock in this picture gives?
5:03
